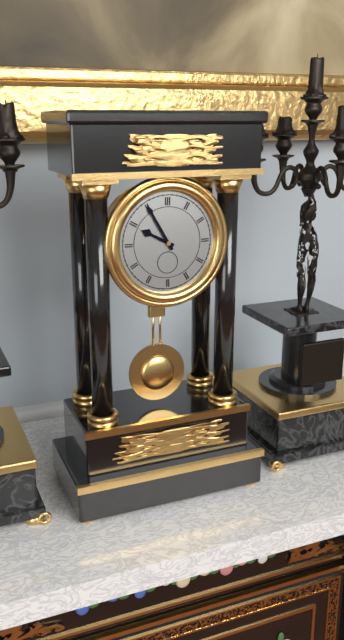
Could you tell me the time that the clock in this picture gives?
9:55
